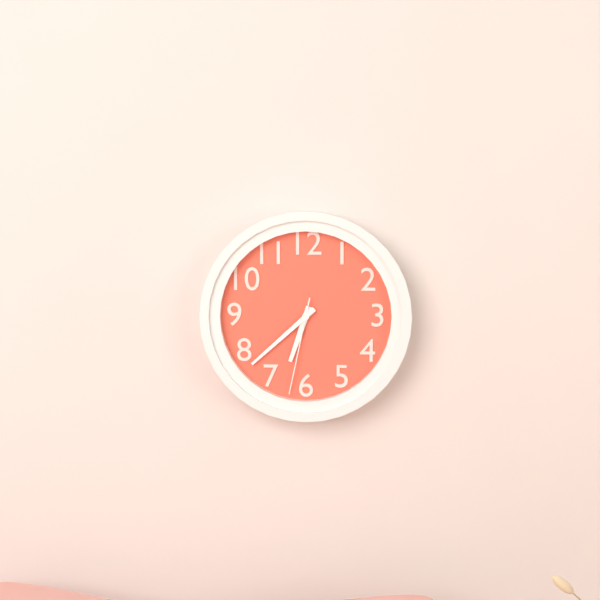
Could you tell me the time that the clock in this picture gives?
6:38:32
